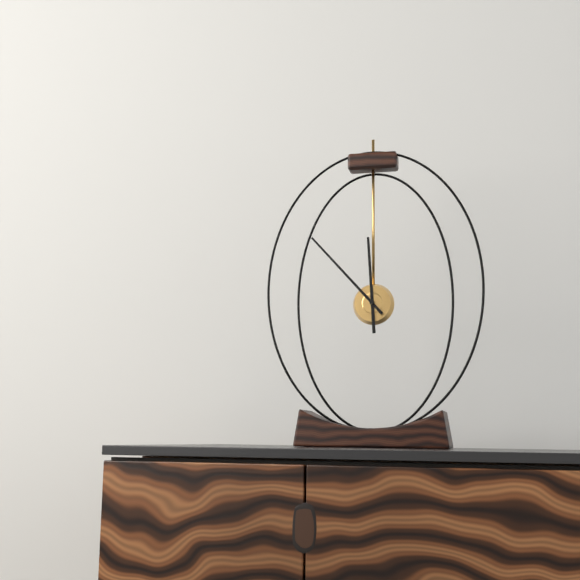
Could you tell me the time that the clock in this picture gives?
11:53
